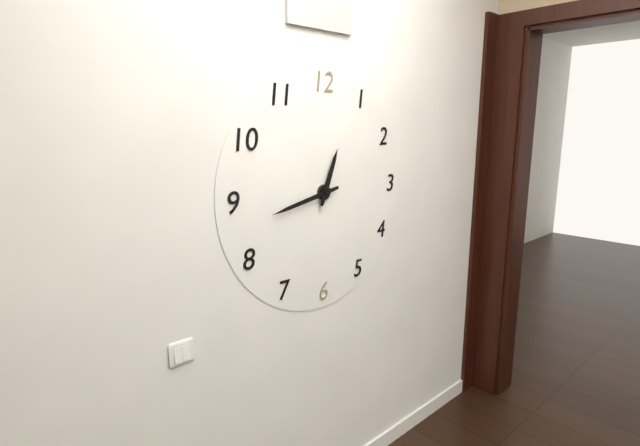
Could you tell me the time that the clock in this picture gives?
12:43
